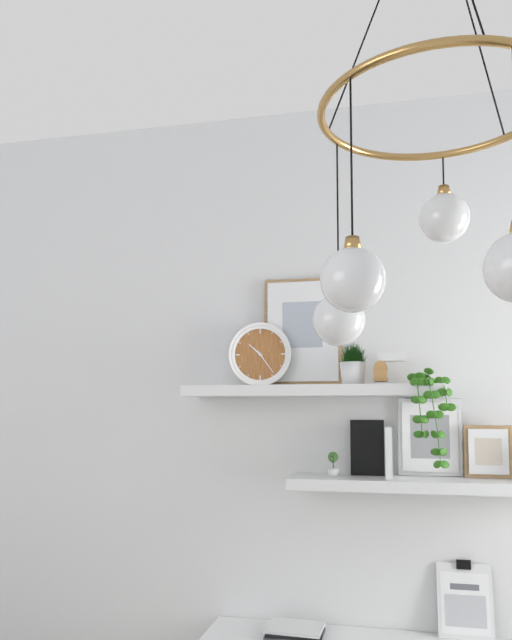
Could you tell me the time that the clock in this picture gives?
10:24
